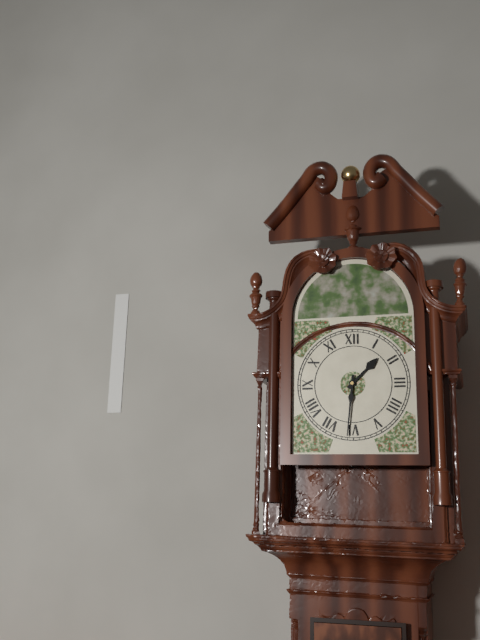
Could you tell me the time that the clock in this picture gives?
1:31
